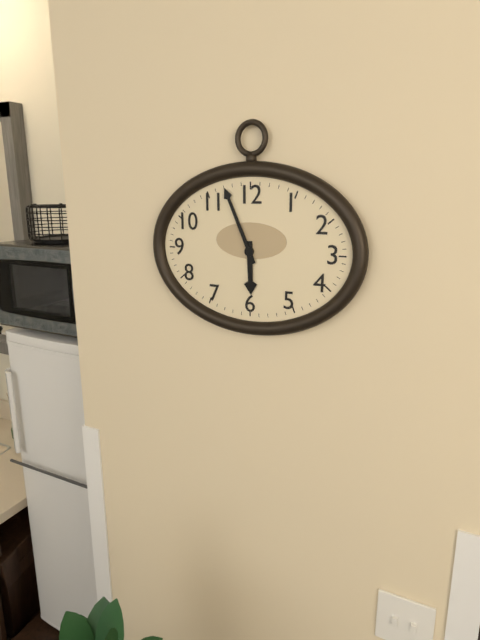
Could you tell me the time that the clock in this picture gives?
5:56
